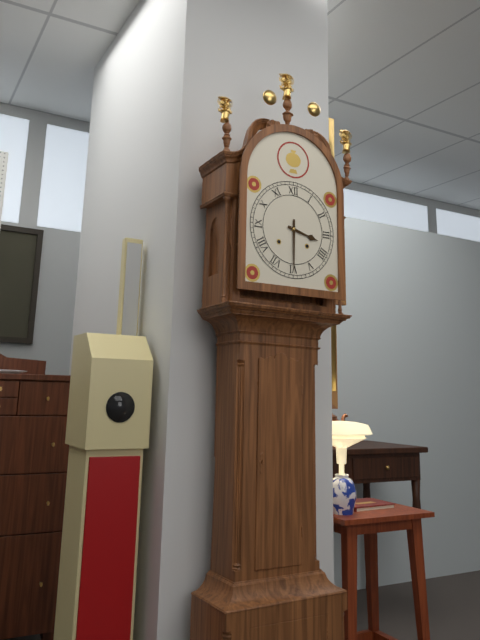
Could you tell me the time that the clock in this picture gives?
3:30
